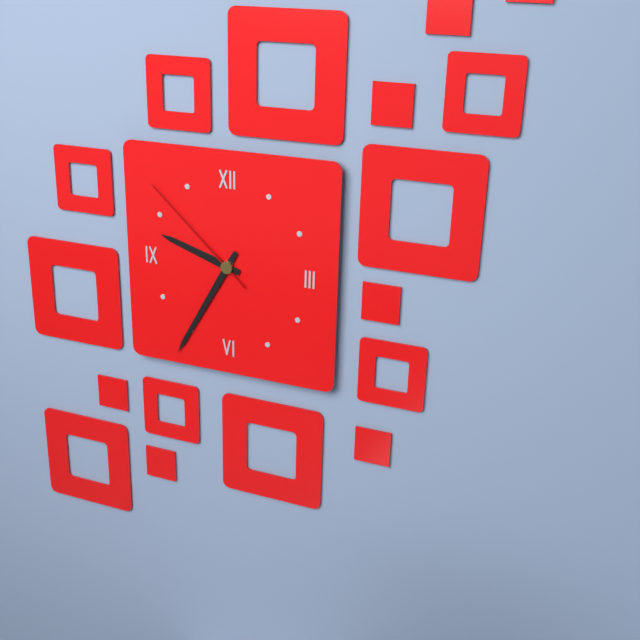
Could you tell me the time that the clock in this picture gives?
9:35:52
